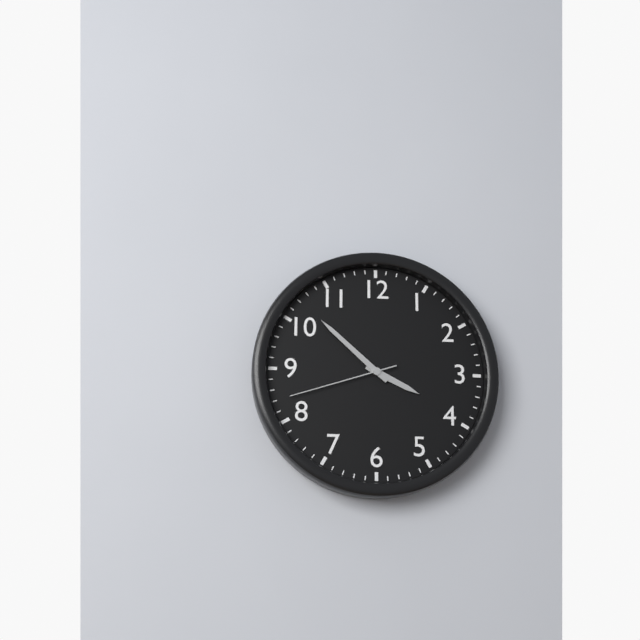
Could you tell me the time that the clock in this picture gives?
3:52:42
